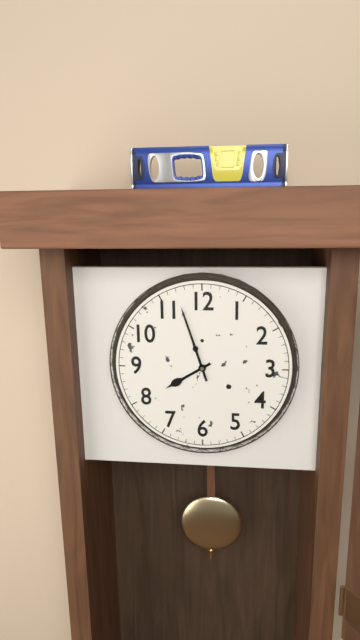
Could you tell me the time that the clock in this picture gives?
7:57
